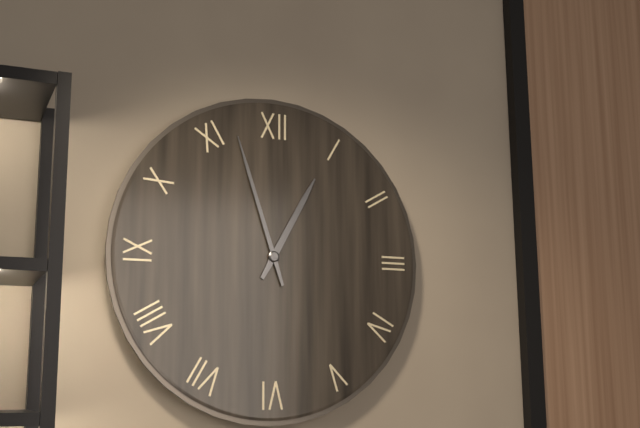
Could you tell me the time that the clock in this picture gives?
12:57
